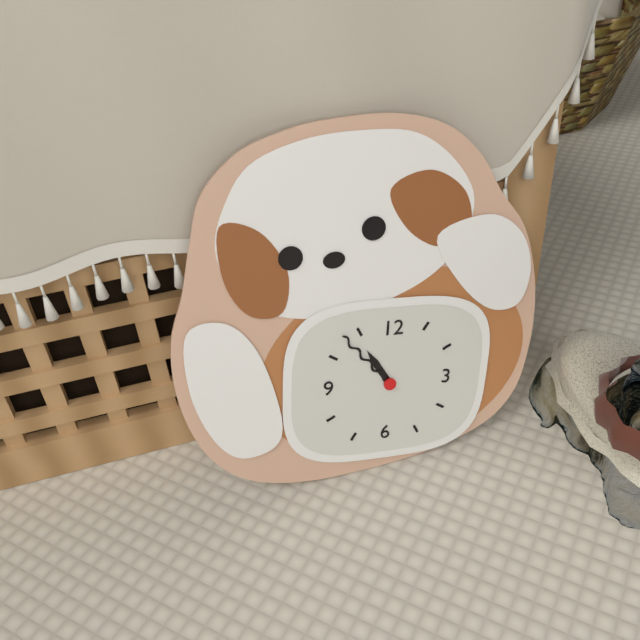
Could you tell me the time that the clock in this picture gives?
10:53
